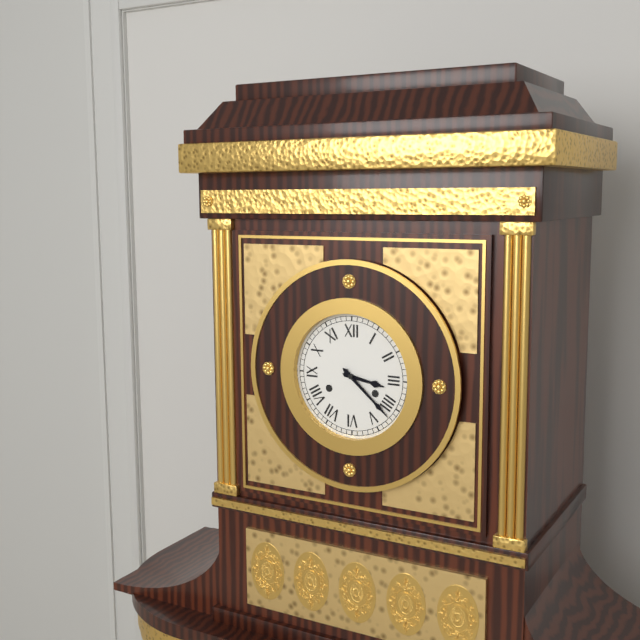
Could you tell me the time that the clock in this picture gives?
3:22
